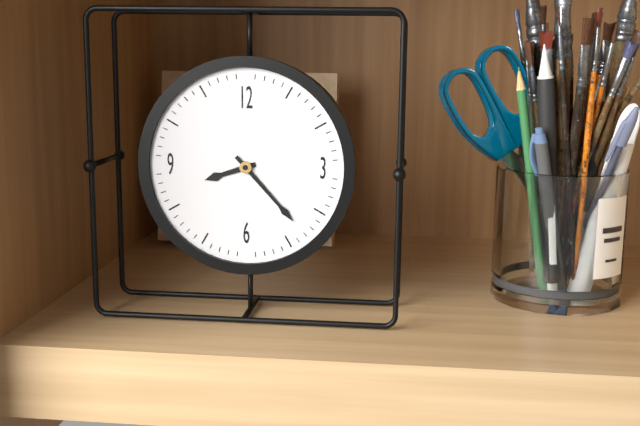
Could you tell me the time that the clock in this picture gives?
8:23
